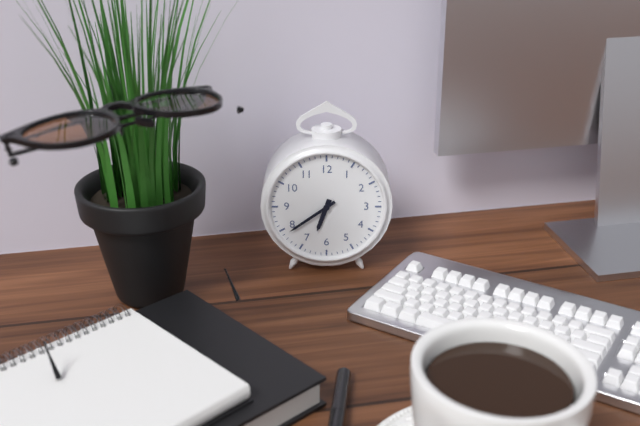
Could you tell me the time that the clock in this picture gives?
6:39
